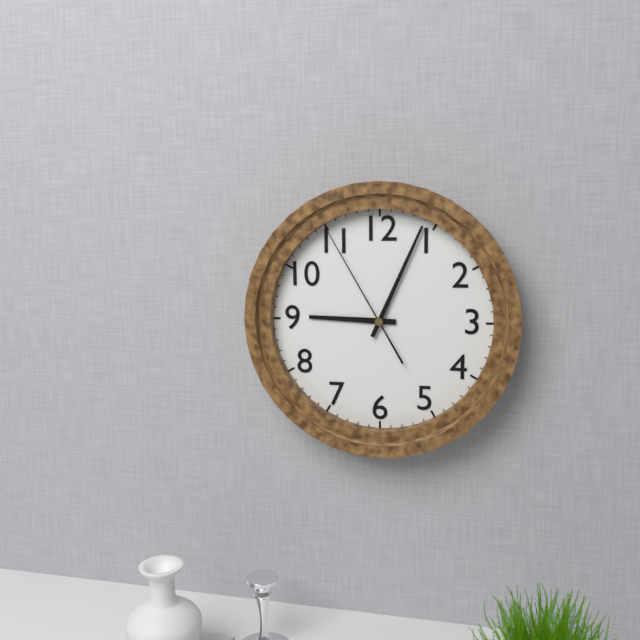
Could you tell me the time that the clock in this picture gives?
9:04:55
